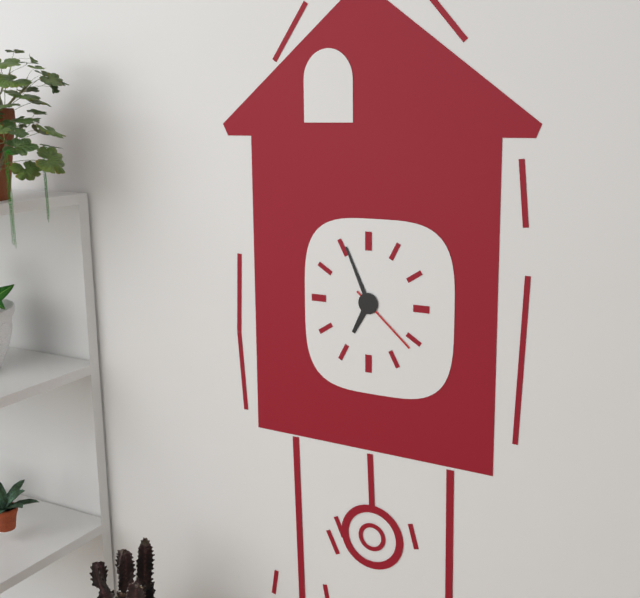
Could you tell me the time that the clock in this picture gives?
6:56:22
